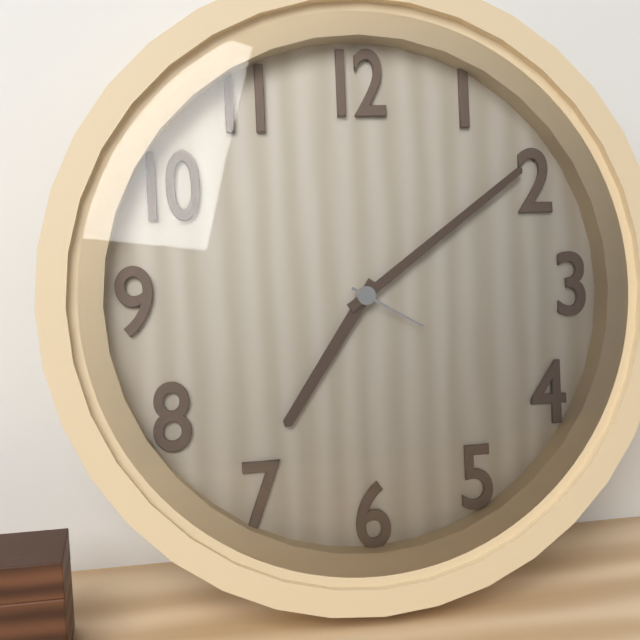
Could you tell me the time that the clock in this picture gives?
7:09:20
